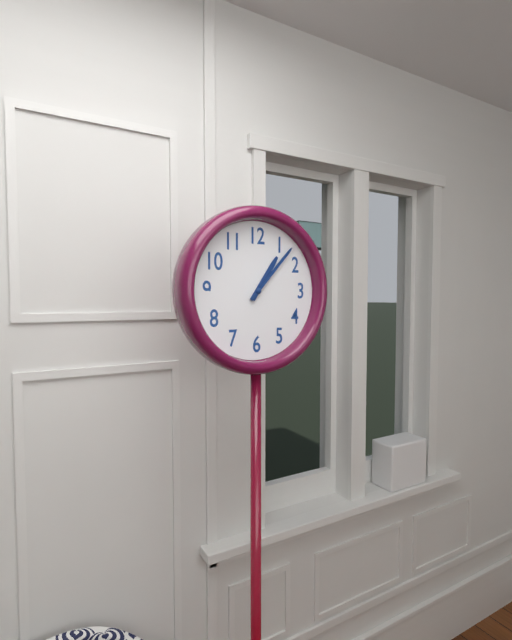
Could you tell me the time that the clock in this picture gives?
1:07
